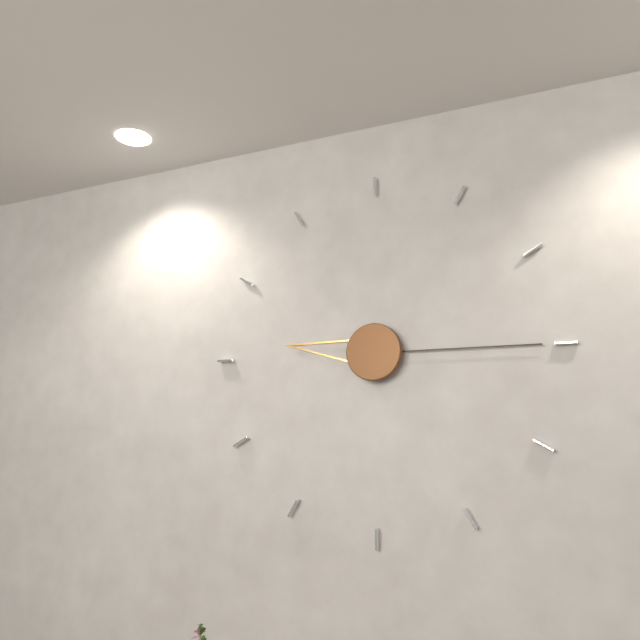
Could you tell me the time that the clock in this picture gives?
9:15
